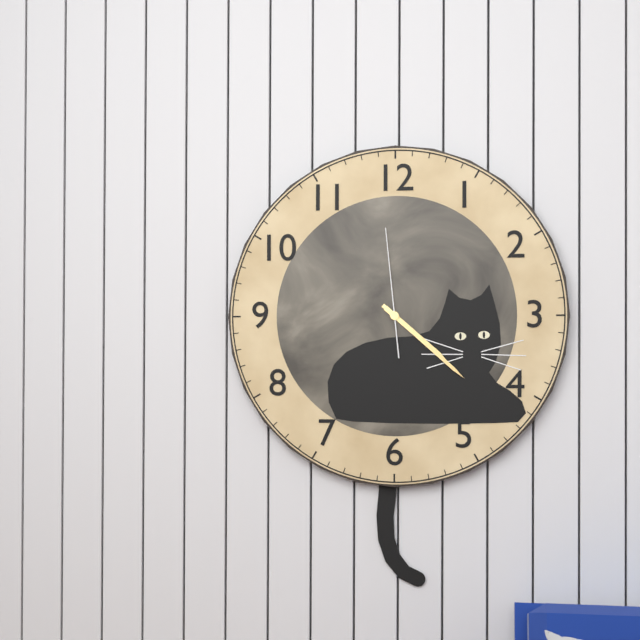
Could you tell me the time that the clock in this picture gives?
4:22:59
